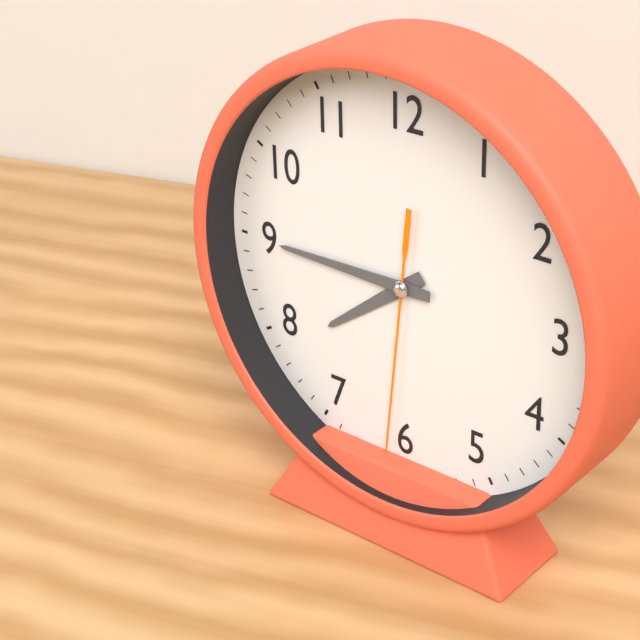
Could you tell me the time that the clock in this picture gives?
7:45:31
